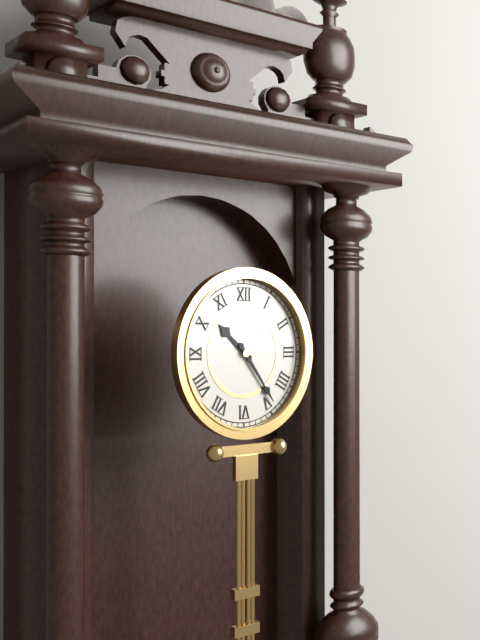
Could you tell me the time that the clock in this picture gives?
10:24
